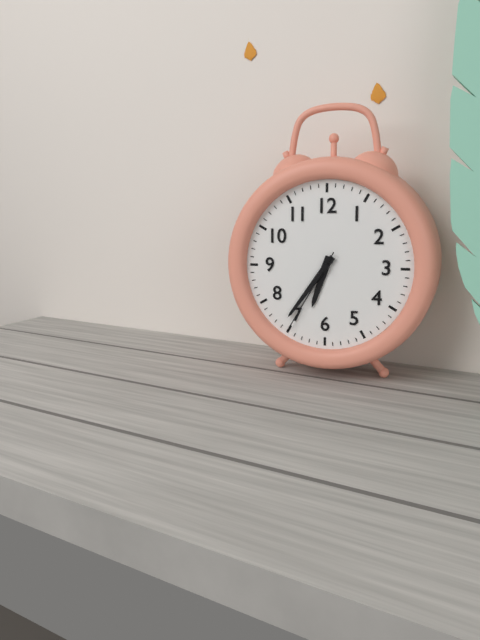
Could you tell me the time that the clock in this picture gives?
6:36:35
